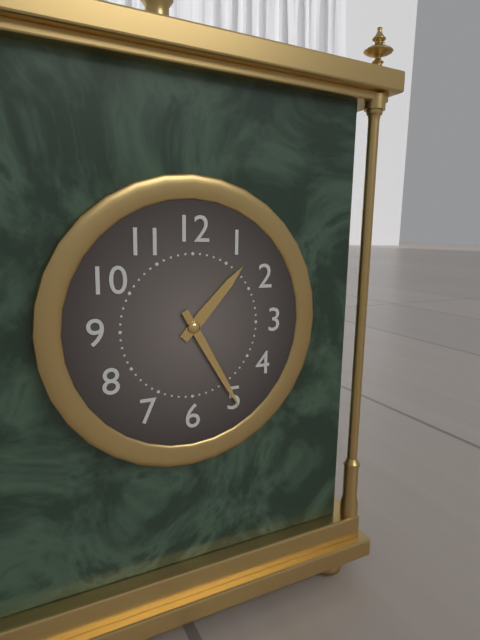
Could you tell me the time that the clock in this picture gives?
1:25
